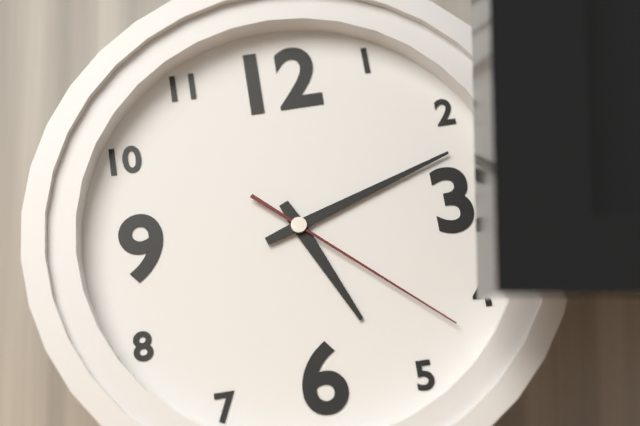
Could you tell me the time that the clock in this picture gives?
5:12:22
